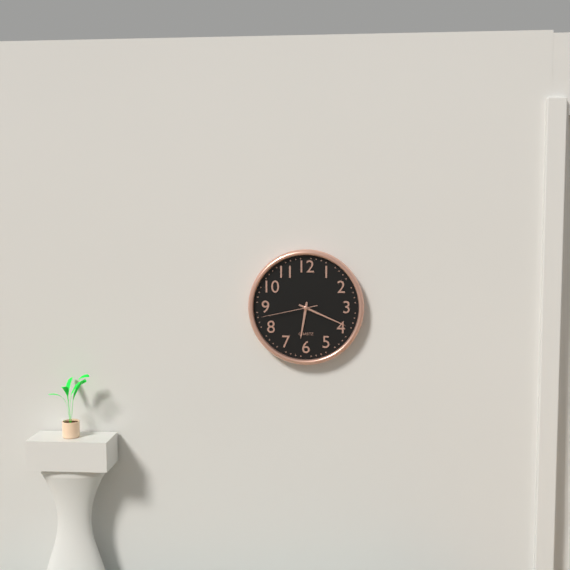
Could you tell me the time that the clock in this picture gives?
6:19:43
